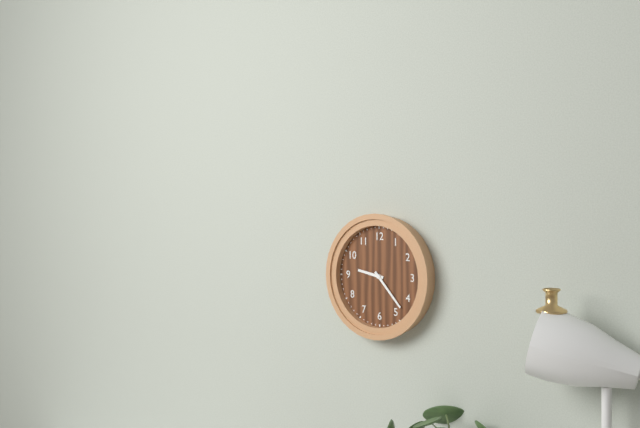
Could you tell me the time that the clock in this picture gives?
9:23
